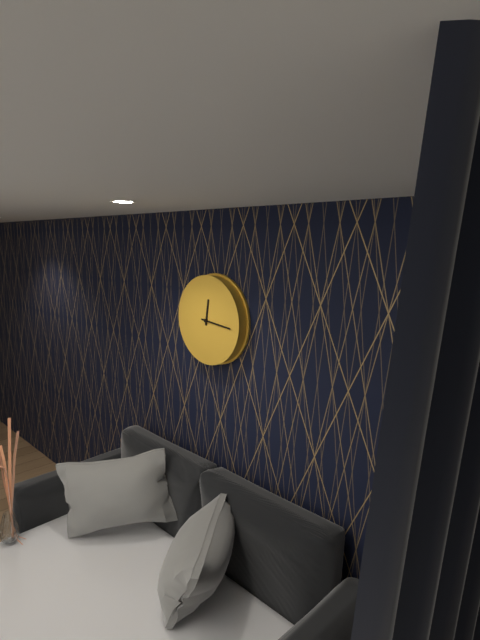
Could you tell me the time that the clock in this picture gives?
12:16
